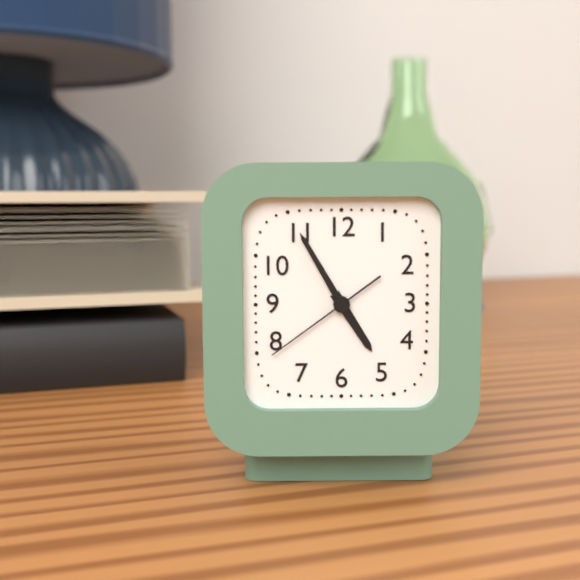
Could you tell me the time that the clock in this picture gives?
4:55:39
